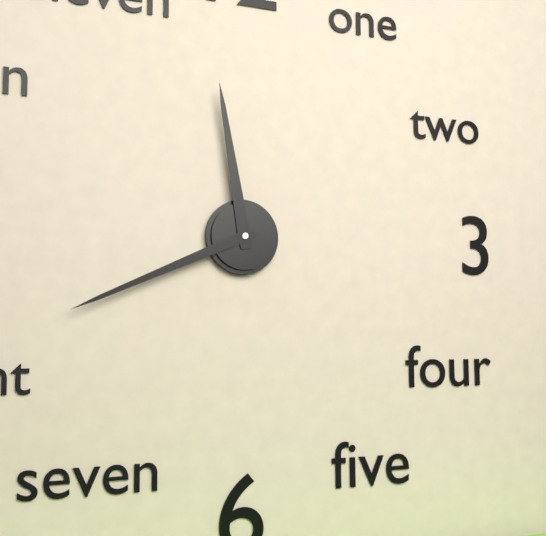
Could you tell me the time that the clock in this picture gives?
11:41
